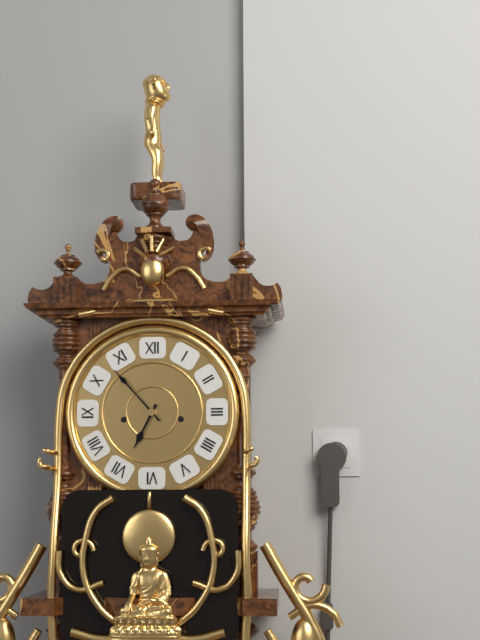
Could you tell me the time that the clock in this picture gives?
6:53
